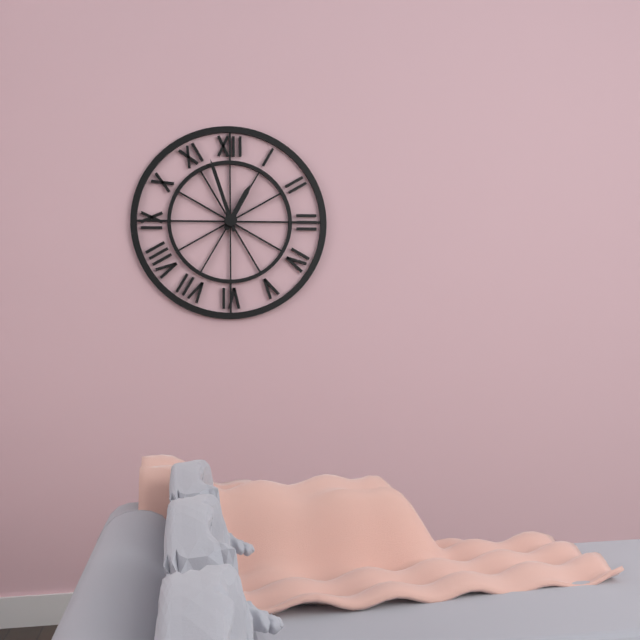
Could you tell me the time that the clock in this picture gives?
12:57
